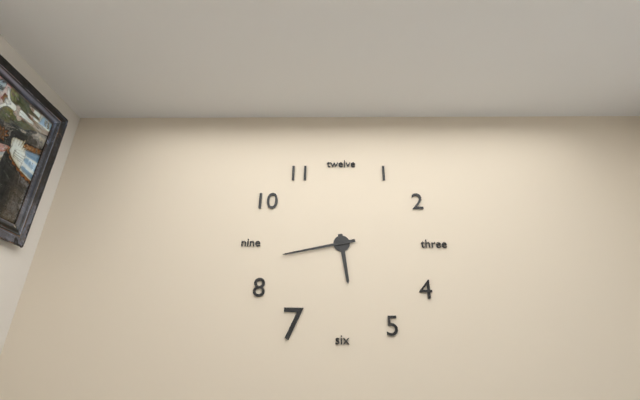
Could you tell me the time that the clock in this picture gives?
5:43
